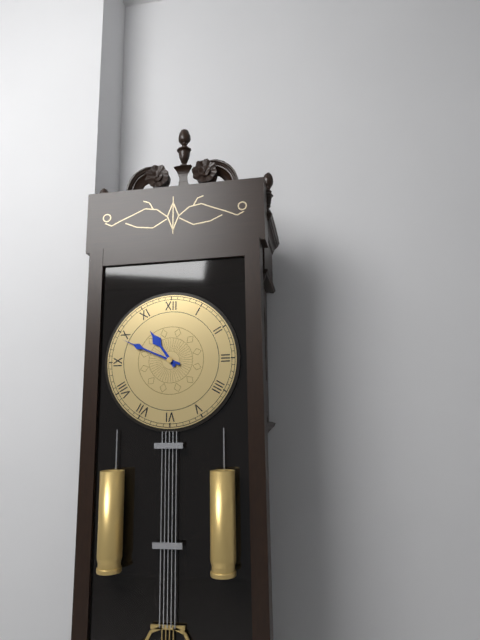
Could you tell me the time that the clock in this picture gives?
10:49
